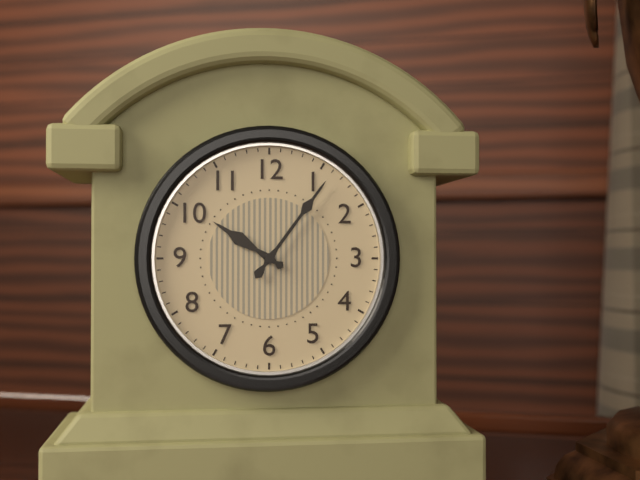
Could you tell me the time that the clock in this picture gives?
10:06
